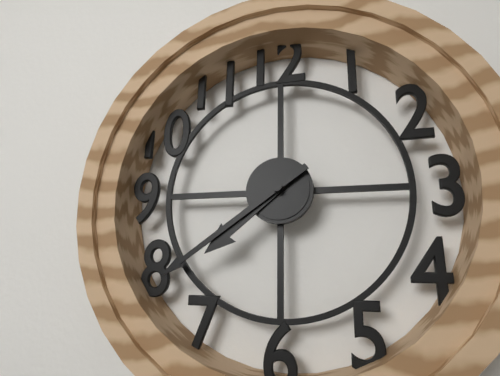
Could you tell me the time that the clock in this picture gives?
7:39
